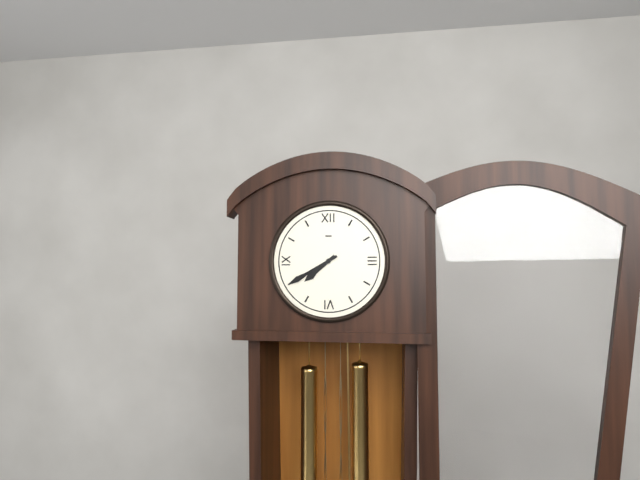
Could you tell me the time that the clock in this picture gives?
7:40
